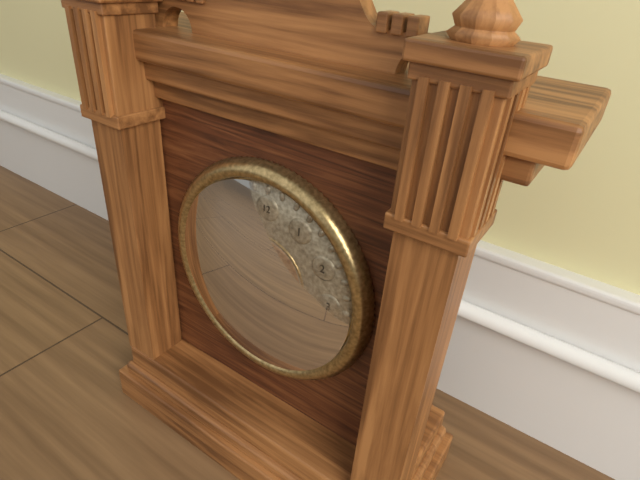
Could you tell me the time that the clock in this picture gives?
7:16
